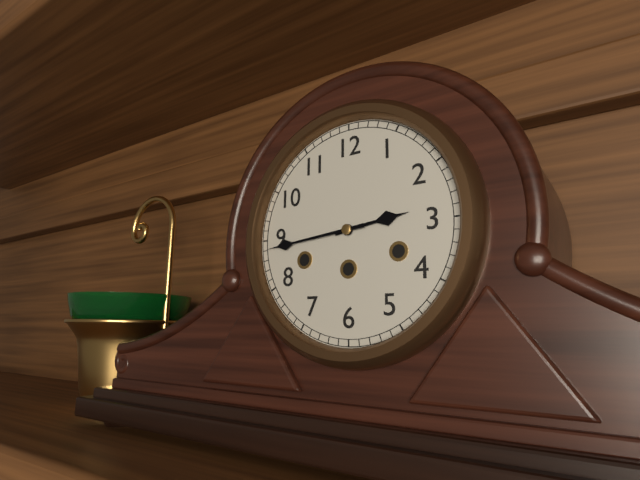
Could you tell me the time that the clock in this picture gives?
2:44
